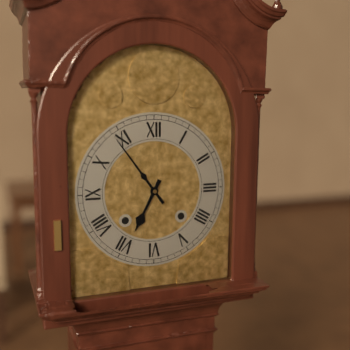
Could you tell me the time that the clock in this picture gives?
6:54
